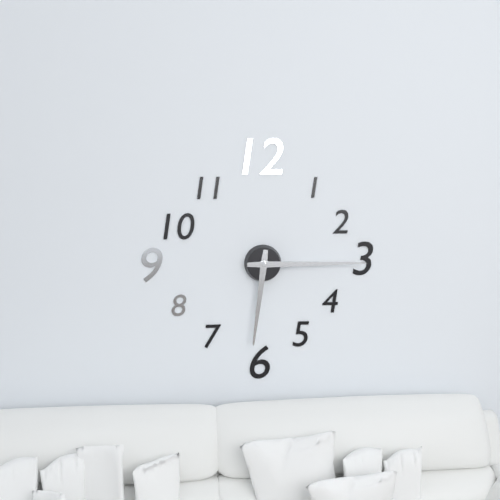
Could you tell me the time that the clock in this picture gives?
6:15
